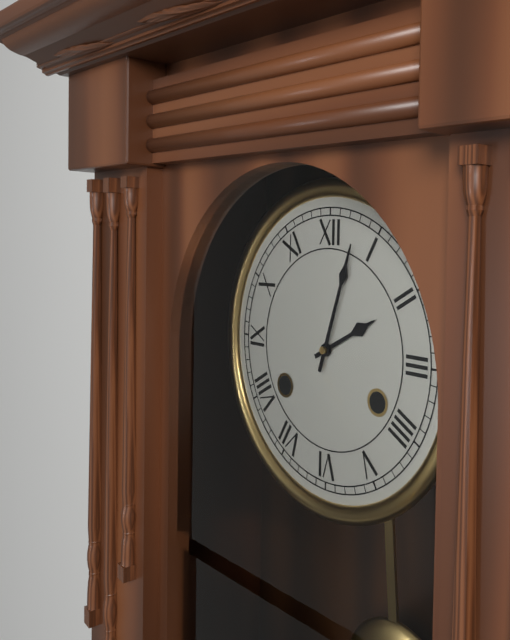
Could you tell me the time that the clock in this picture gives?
2:03
